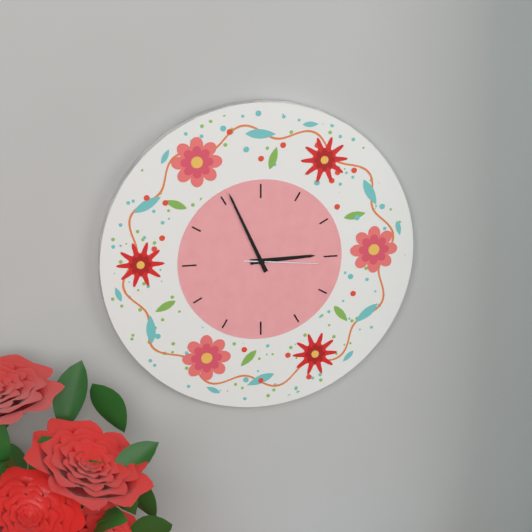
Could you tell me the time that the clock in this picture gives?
2:56:16
